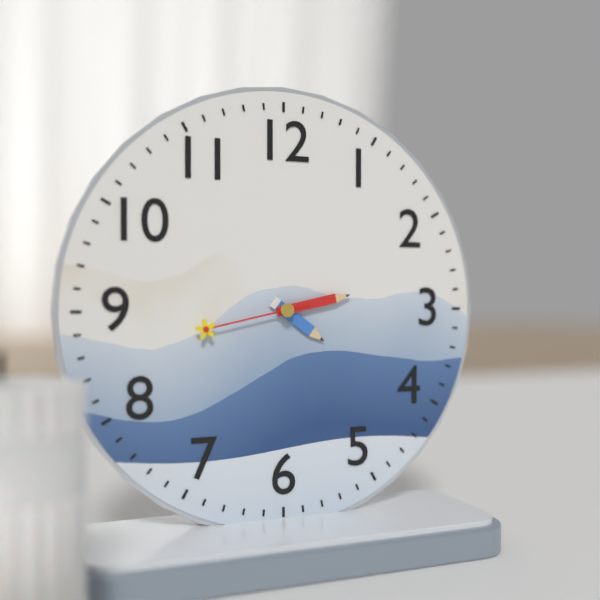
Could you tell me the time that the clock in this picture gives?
4:13:43
